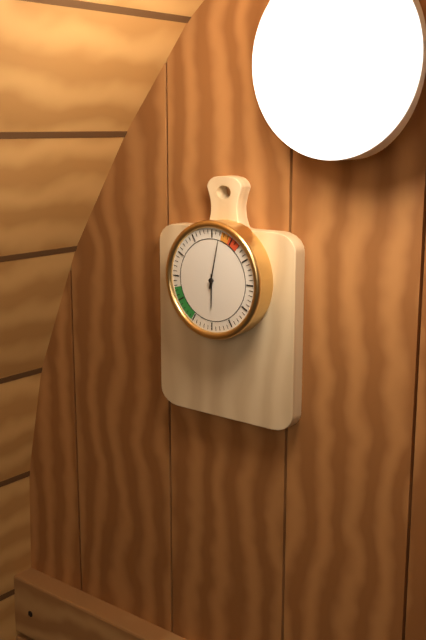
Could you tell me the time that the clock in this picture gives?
6:02
